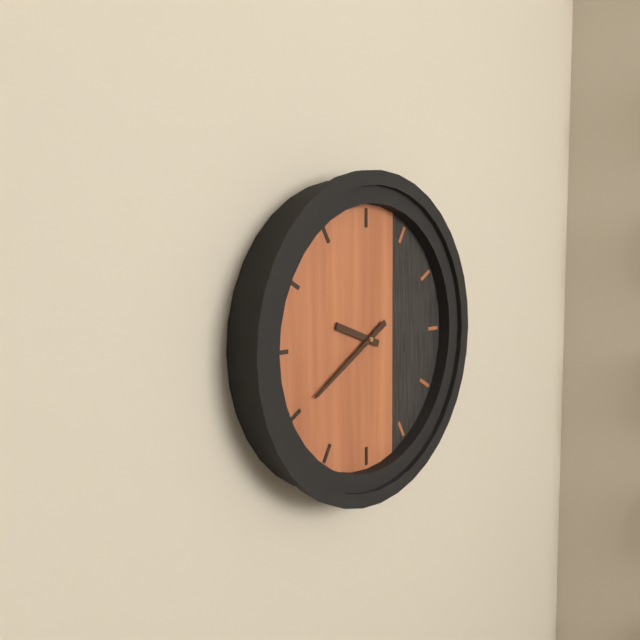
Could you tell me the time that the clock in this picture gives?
9:40
